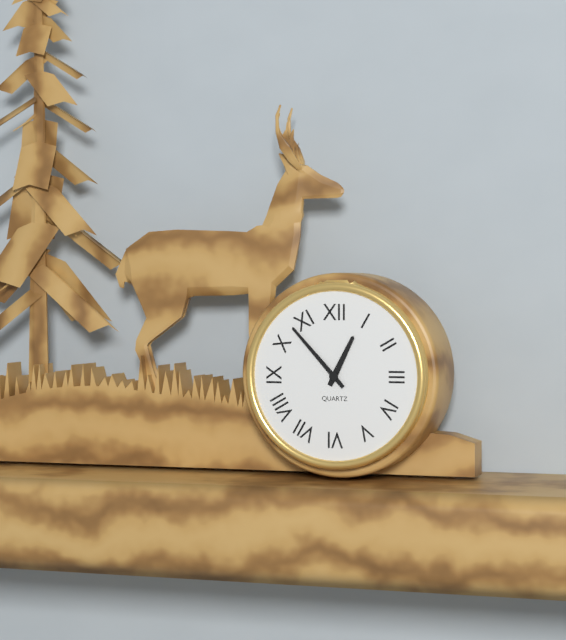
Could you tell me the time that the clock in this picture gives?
12:53
